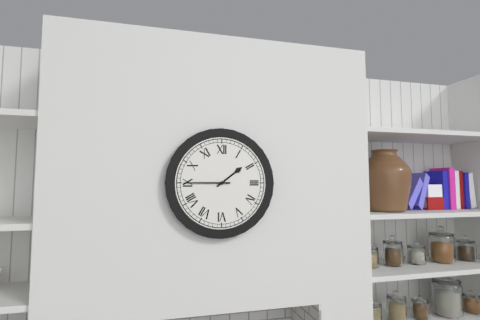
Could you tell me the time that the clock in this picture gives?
1:45
